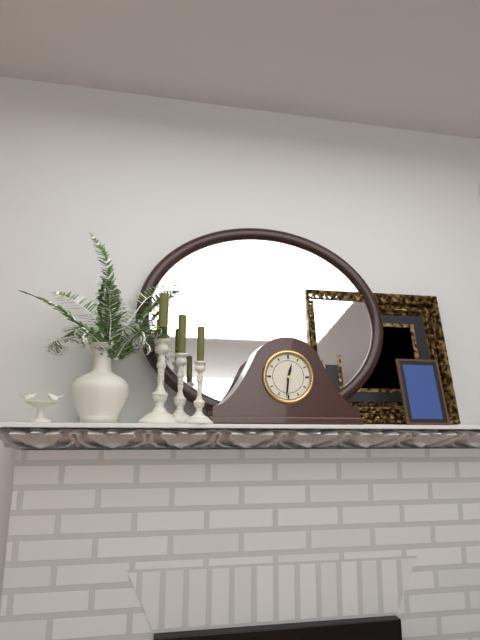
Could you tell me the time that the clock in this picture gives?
12:31
